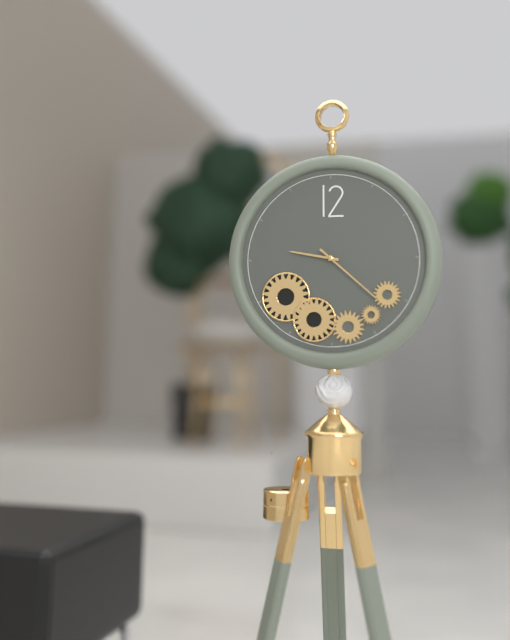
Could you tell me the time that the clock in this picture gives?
9:22
